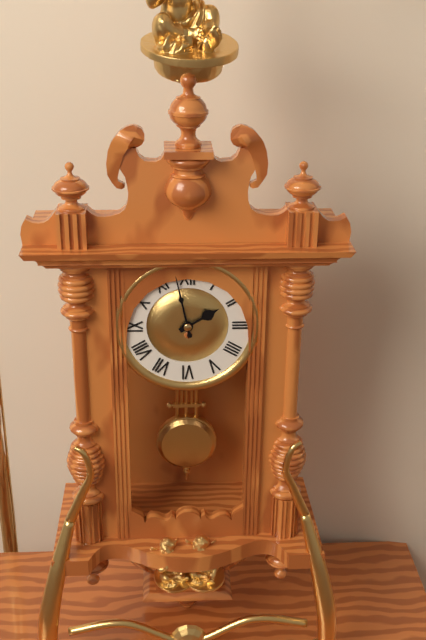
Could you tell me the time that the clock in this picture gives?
1:58
